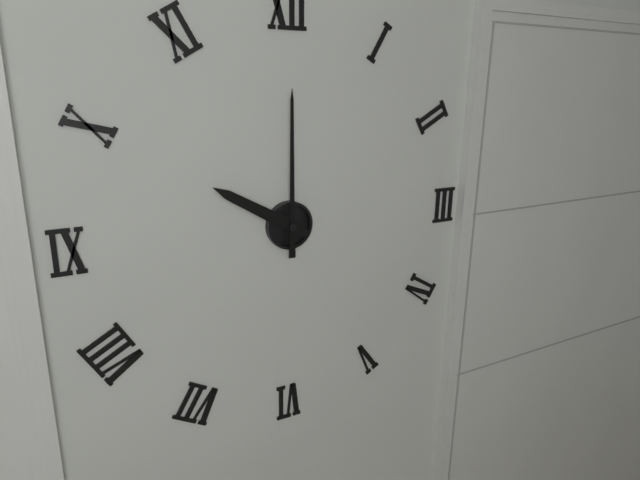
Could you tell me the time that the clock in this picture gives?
10:00
